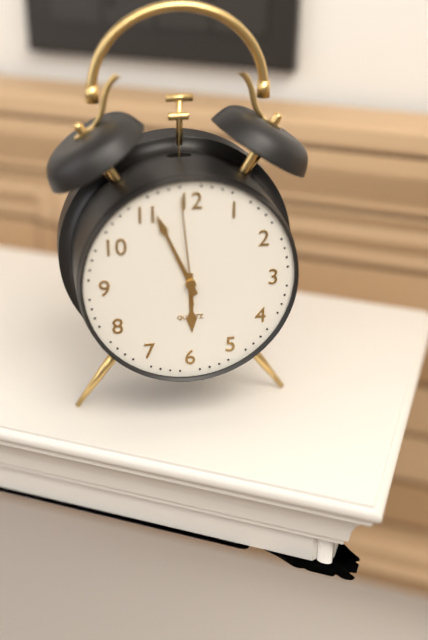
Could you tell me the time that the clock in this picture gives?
5:56:59
